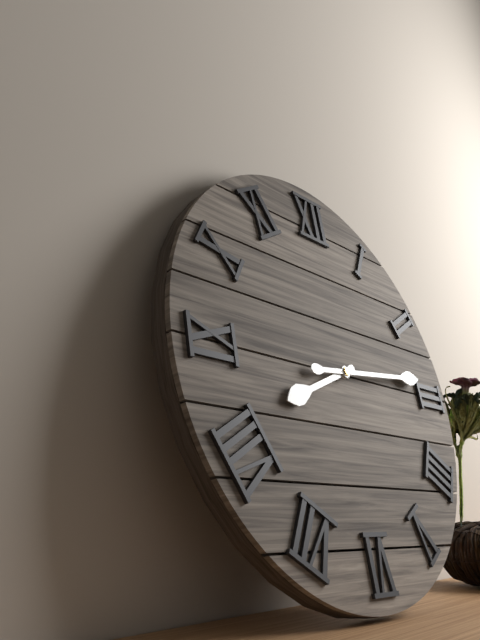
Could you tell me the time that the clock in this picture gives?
8:14
